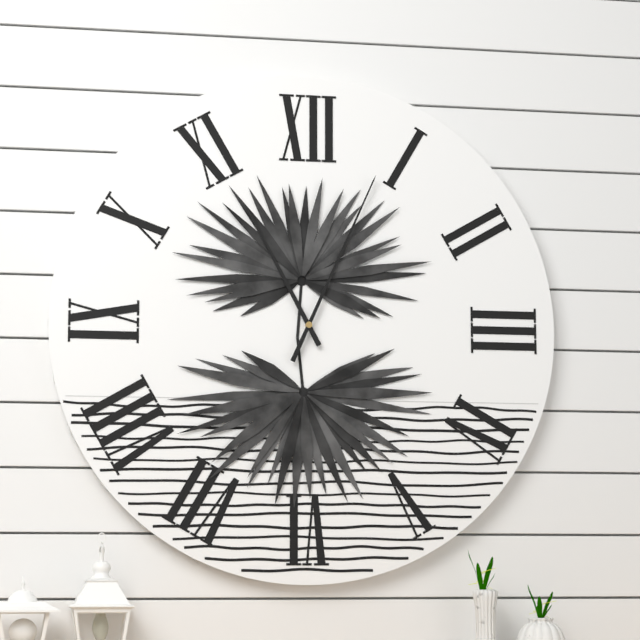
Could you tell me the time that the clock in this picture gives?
11:04
